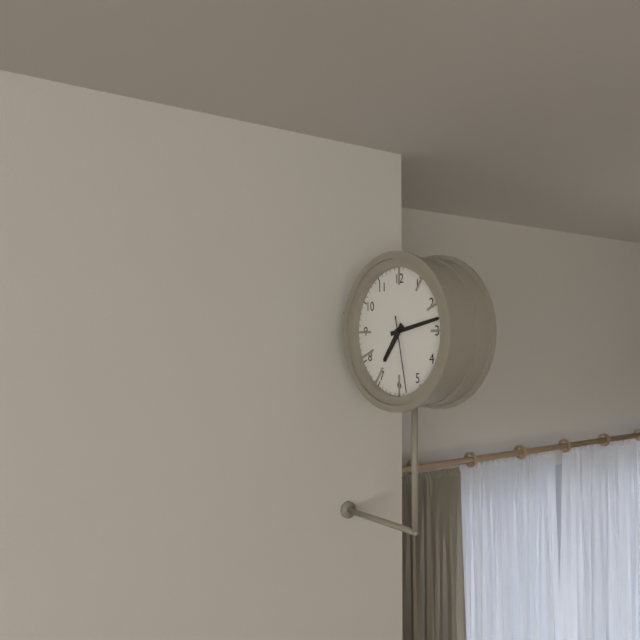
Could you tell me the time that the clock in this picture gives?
7:13:28
